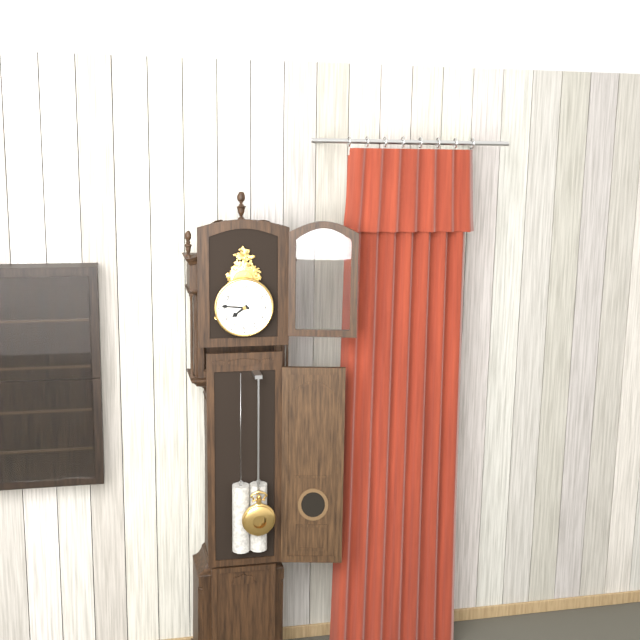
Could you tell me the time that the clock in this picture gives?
7:46
